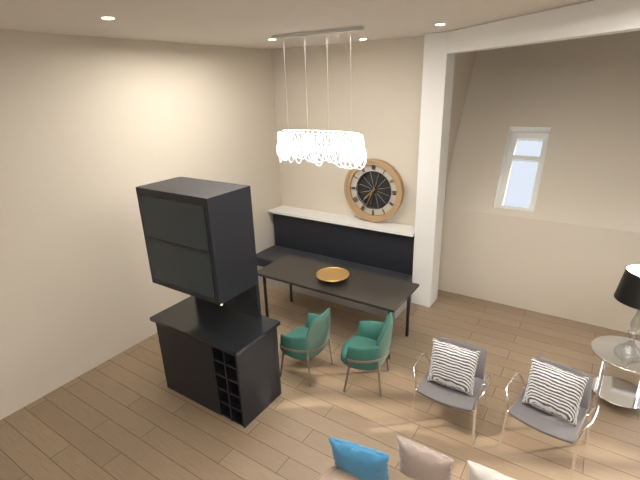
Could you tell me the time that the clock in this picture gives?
7:34
